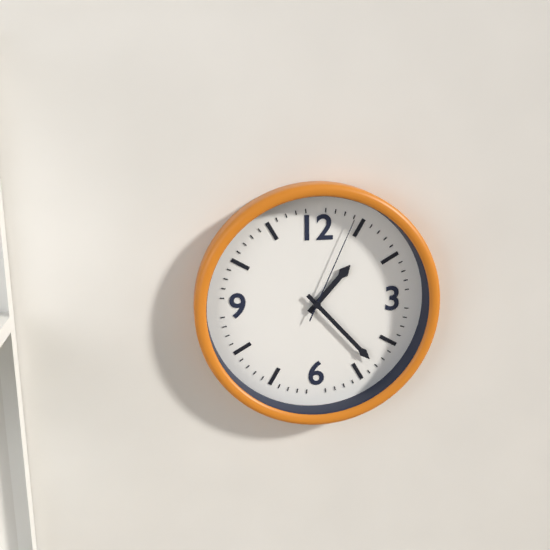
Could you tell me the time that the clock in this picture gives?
1:23:04
